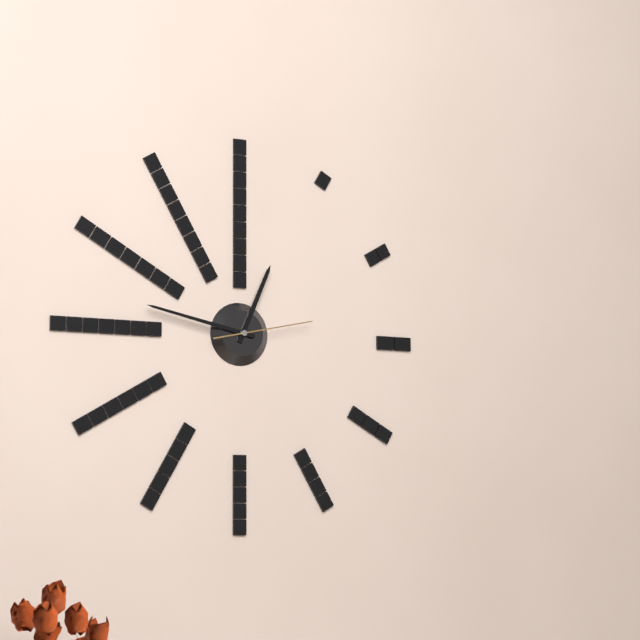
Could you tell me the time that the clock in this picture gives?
12:47:13
